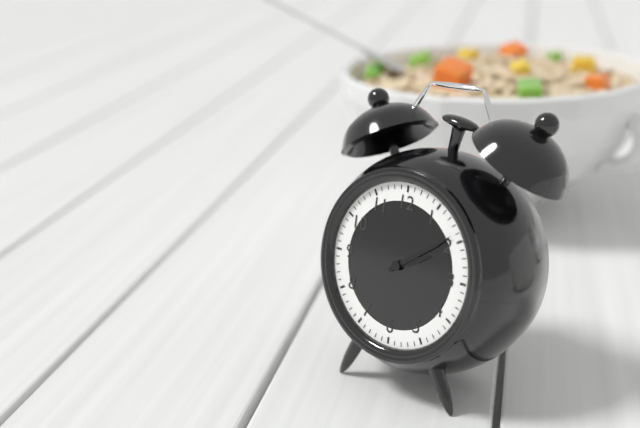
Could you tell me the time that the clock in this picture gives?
2:09
